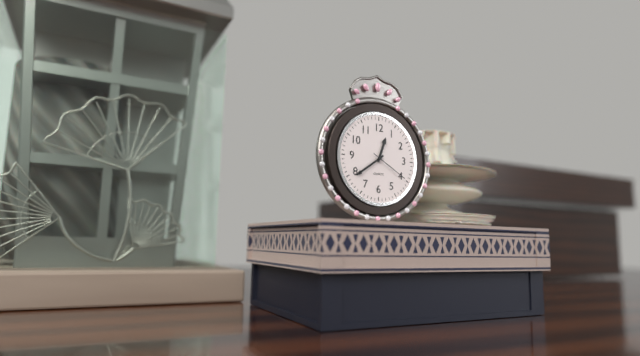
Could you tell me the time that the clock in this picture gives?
12:39
